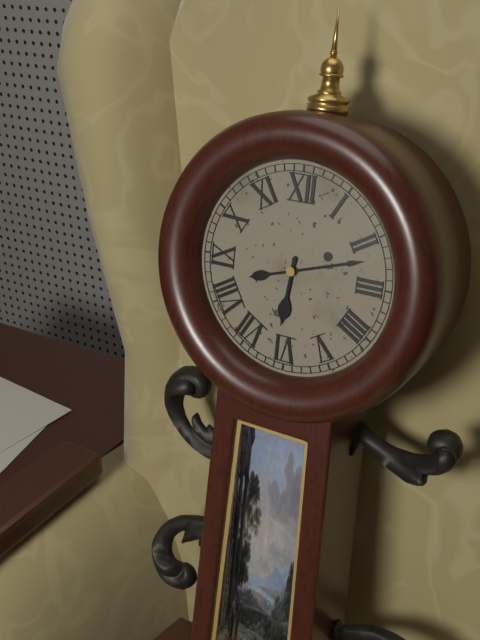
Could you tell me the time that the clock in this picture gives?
6:12
